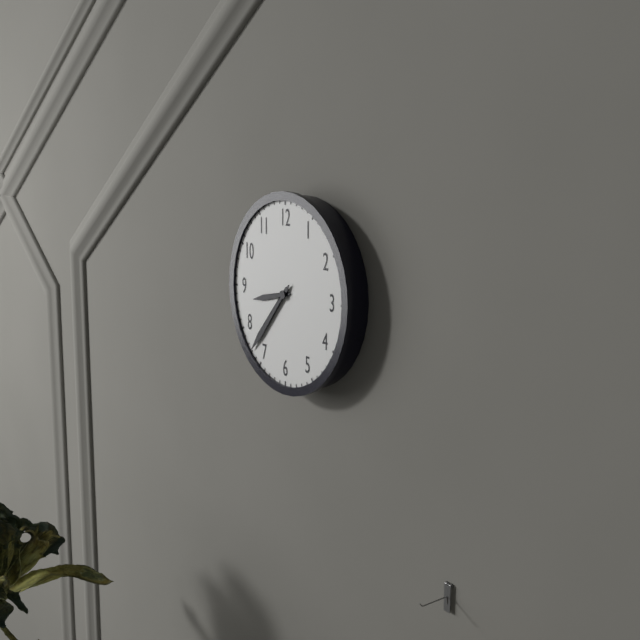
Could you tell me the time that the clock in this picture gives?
8:37
